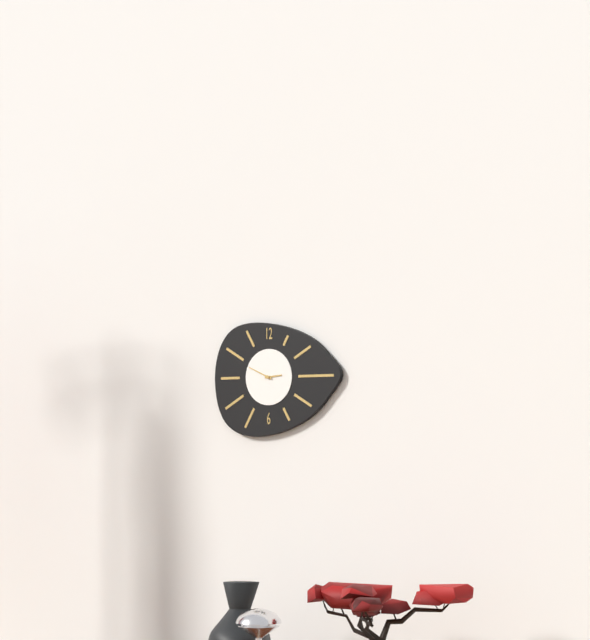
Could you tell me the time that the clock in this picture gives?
2:49
